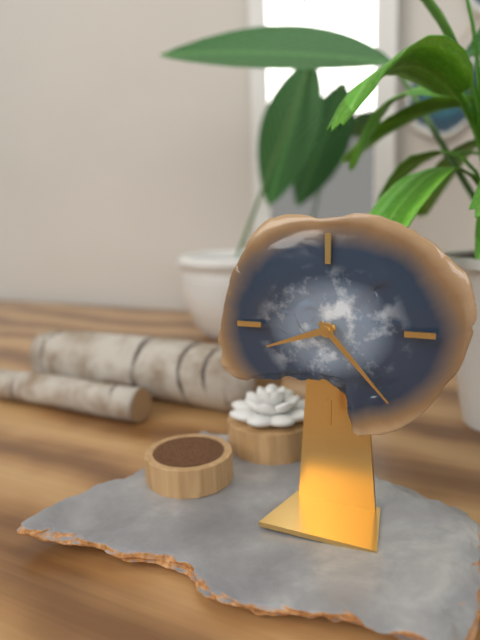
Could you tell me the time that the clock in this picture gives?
8:23
